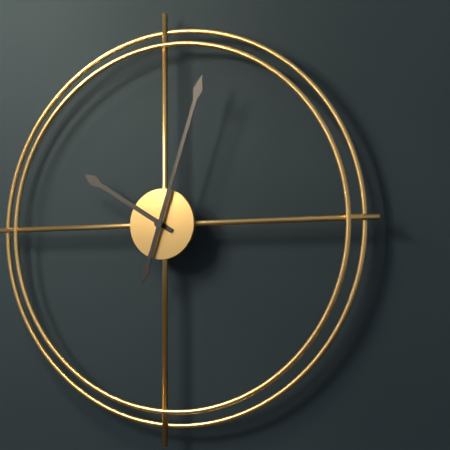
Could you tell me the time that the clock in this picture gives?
10:03
